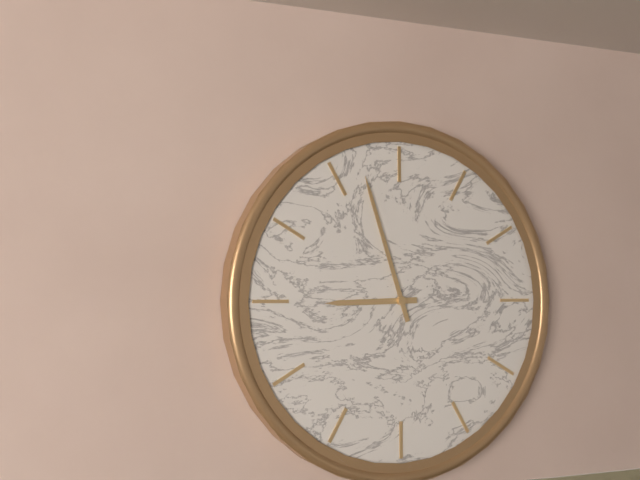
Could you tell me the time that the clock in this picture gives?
8:57
